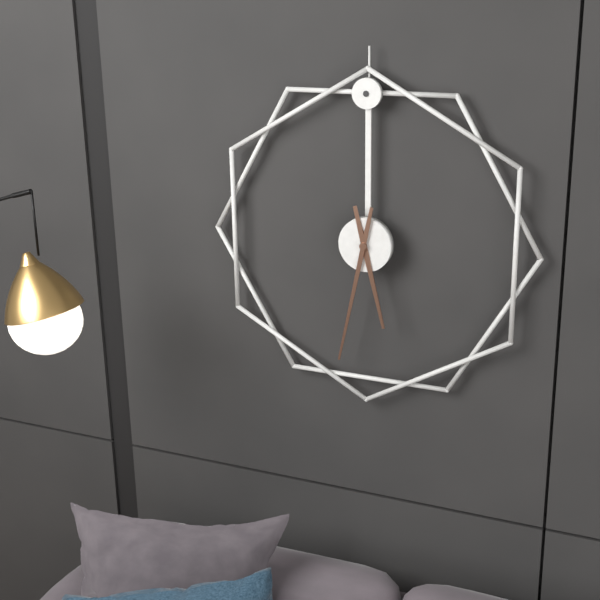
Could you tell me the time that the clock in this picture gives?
5:32
